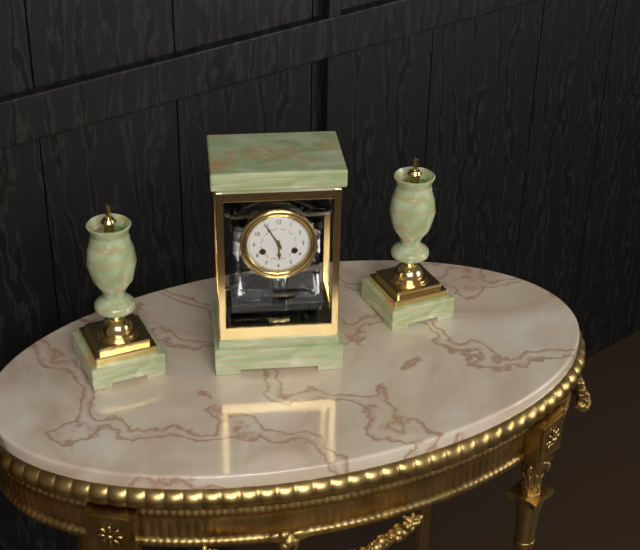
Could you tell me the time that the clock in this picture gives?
5:55
